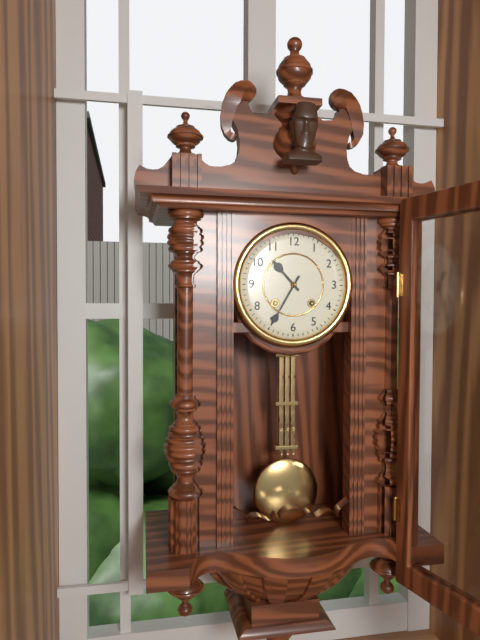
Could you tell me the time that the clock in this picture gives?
10:35
